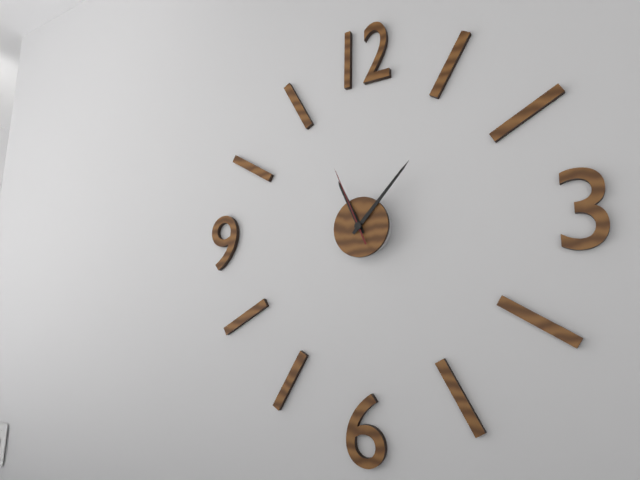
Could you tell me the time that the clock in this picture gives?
11:07:56
